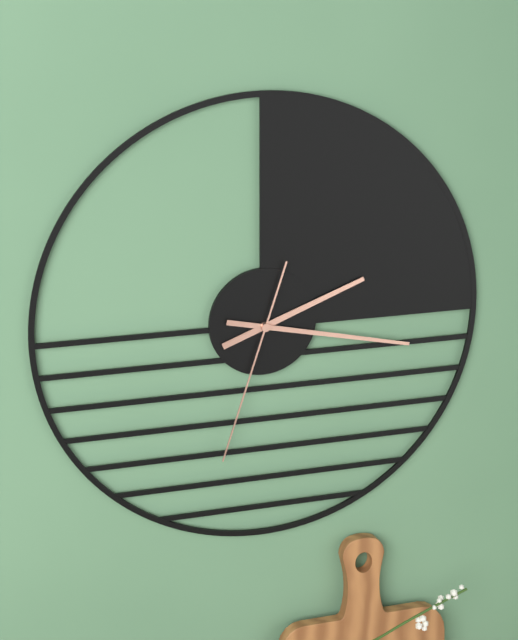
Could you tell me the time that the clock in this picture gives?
2:17:33
